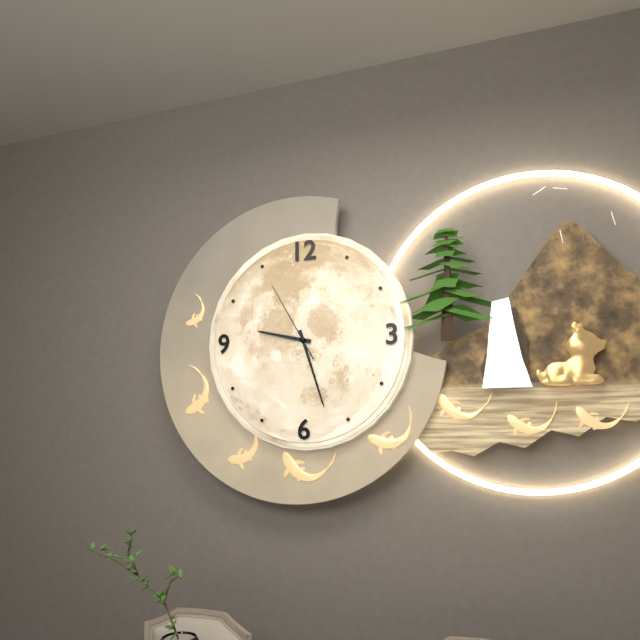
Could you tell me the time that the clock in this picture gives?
9:27:55
